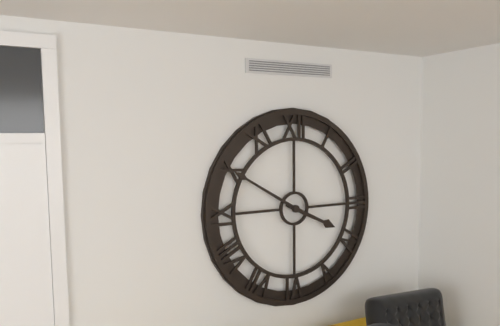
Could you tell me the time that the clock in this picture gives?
3:50
